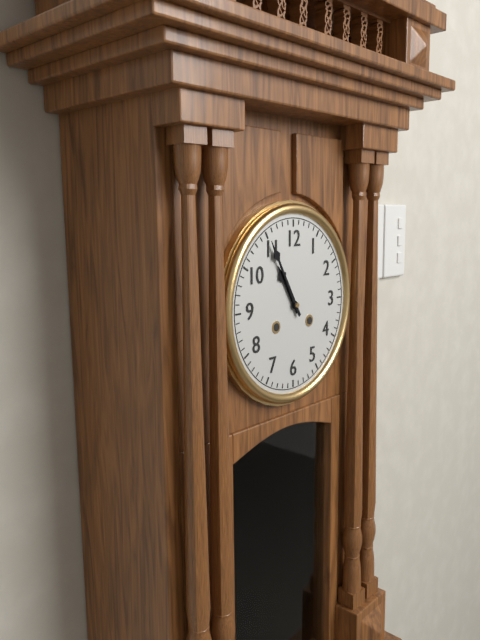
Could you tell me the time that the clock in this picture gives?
10:55
